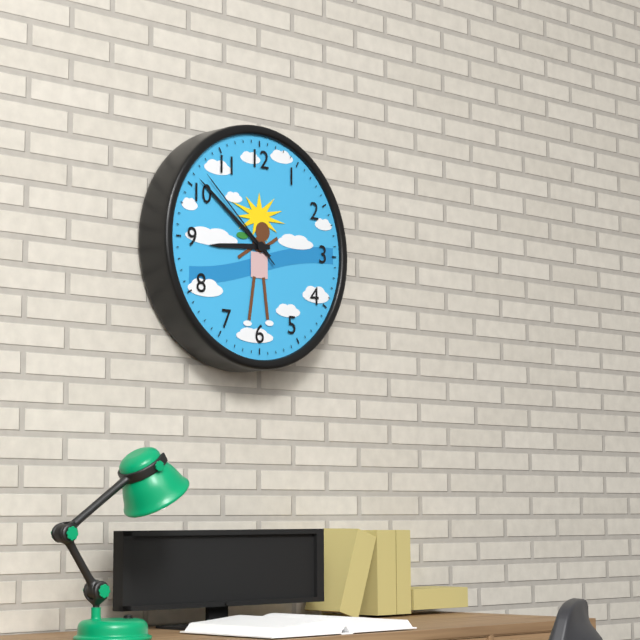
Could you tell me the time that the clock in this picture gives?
8:51:52
